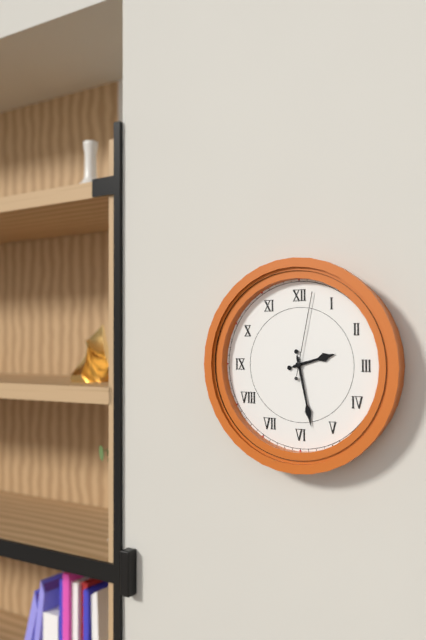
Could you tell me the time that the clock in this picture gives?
2:28:02
